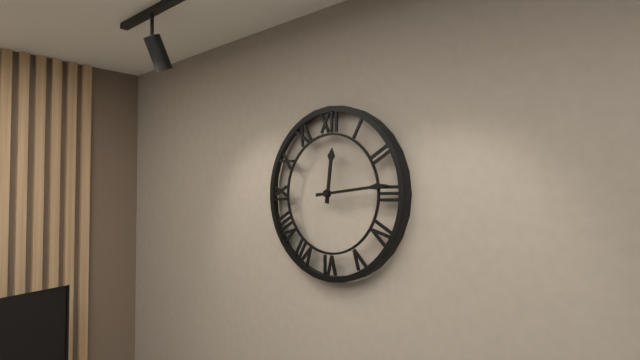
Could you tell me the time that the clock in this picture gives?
12:14
